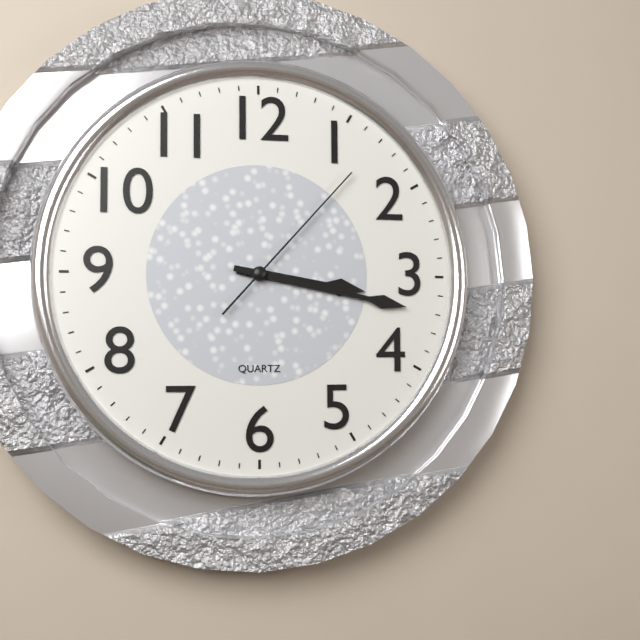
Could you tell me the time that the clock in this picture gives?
3:17:07
